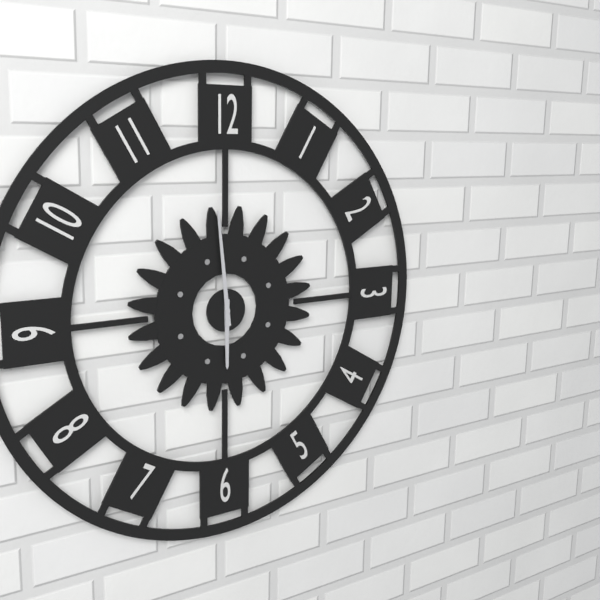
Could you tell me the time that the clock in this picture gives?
5:59
